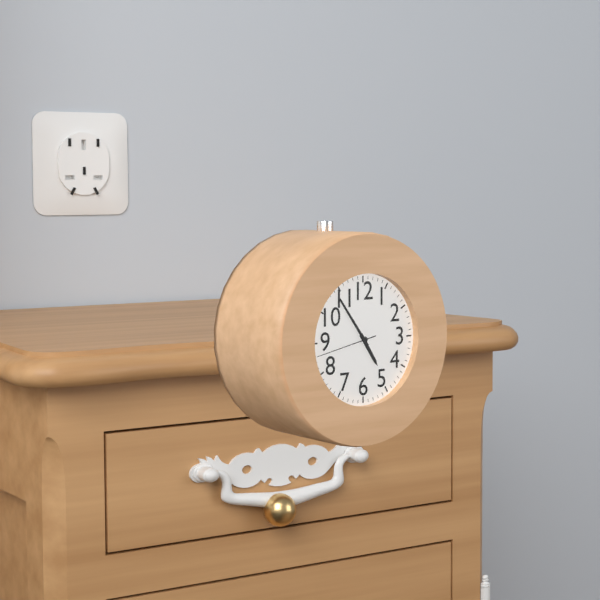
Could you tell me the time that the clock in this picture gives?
4:54:43
